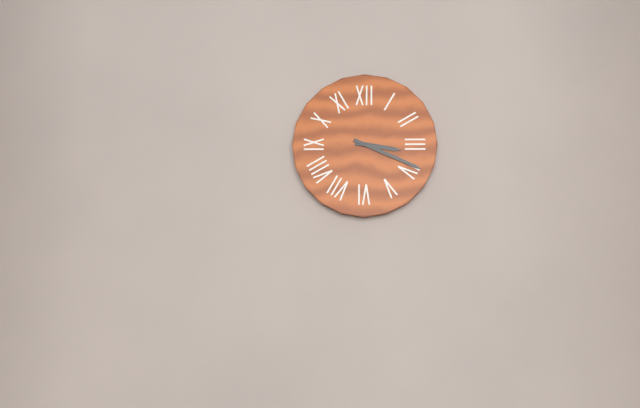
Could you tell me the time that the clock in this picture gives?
3:19
